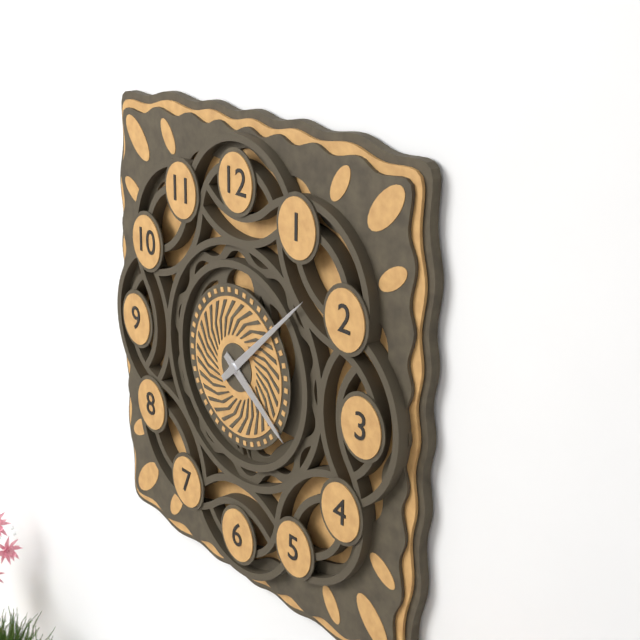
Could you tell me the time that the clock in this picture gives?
4:08
